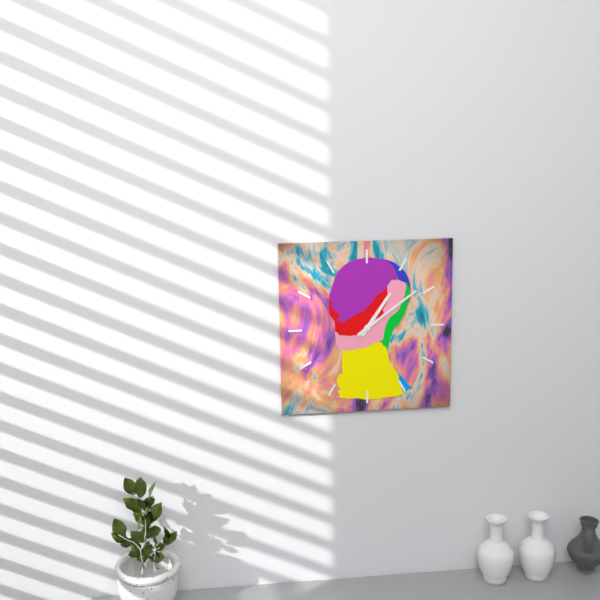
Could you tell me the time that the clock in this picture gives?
1:09
